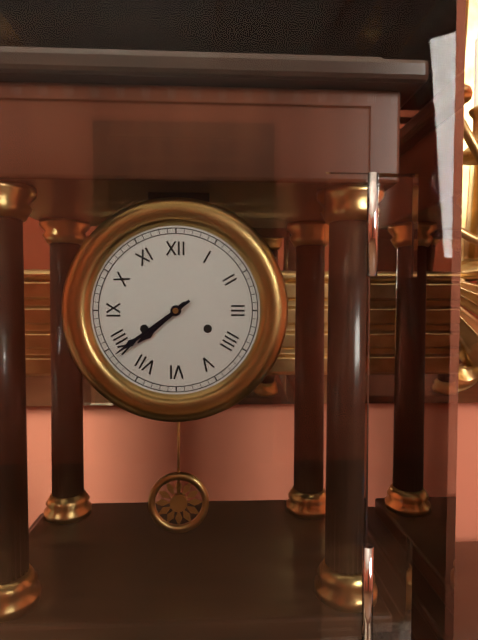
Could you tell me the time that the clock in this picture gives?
7:39
